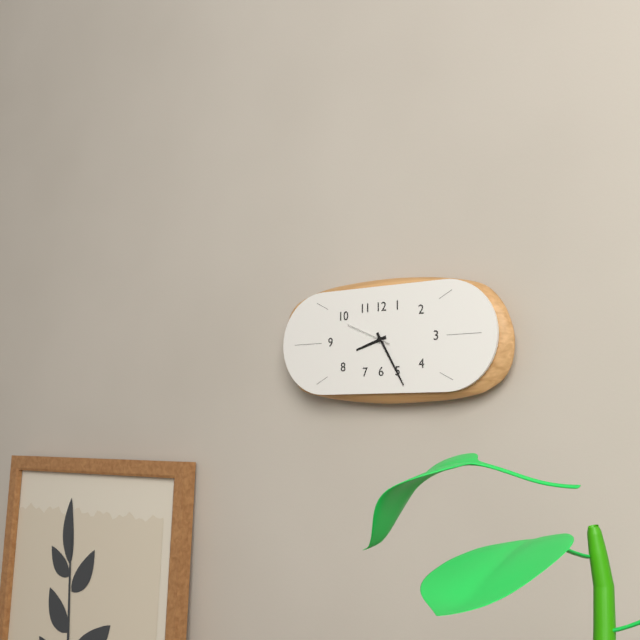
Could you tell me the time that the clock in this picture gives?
8:25
